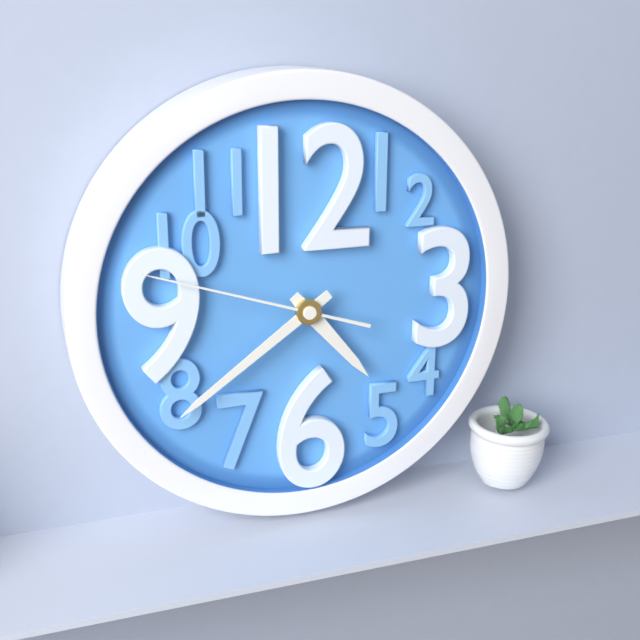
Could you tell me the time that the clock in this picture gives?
4:39:48
